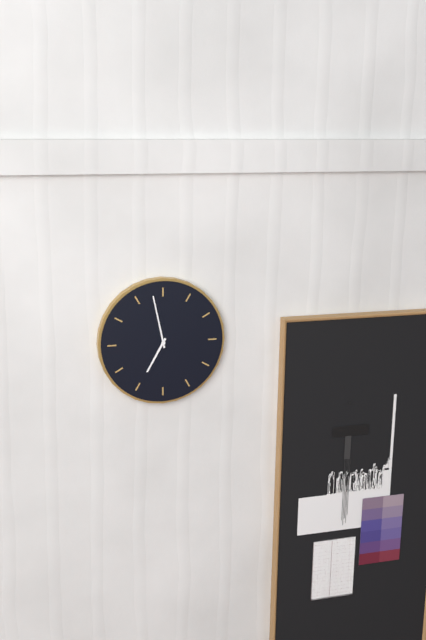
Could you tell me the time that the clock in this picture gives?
6:58
